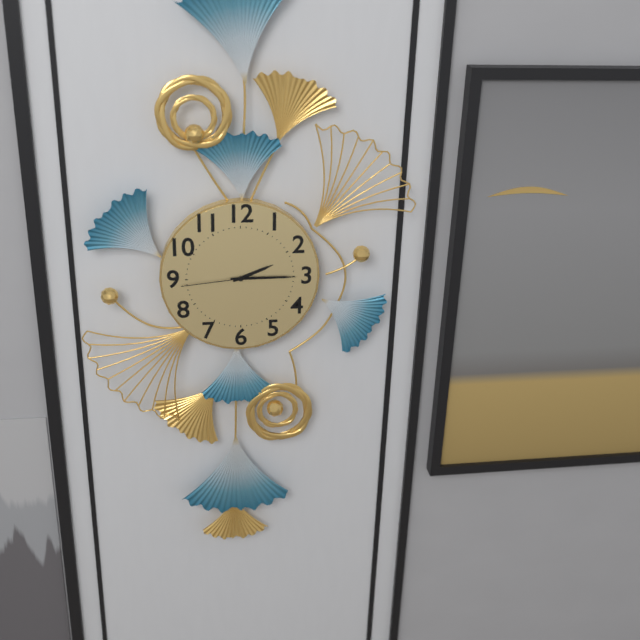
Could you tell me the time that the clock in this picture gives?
2:15:44
